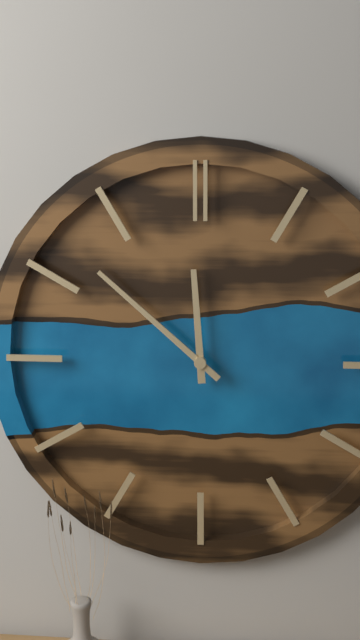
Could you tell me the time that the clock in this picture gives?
11:52
